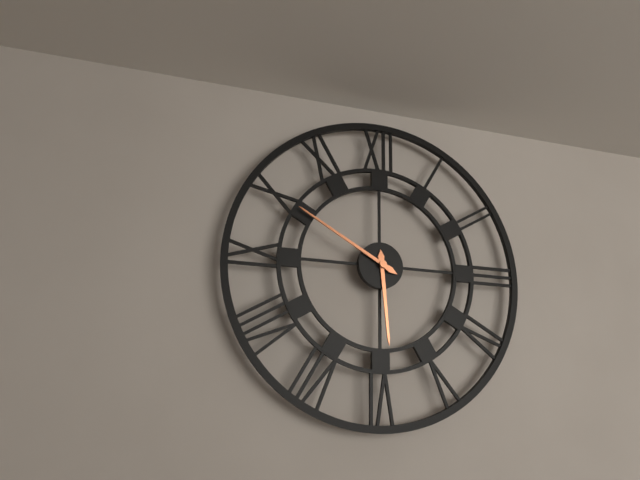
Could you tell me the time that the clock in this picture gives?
5:50
